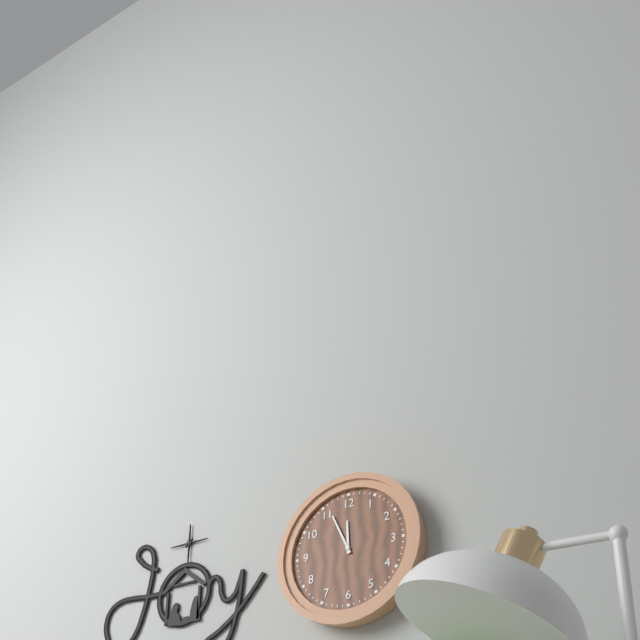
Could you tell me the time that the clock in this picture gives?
11:56
